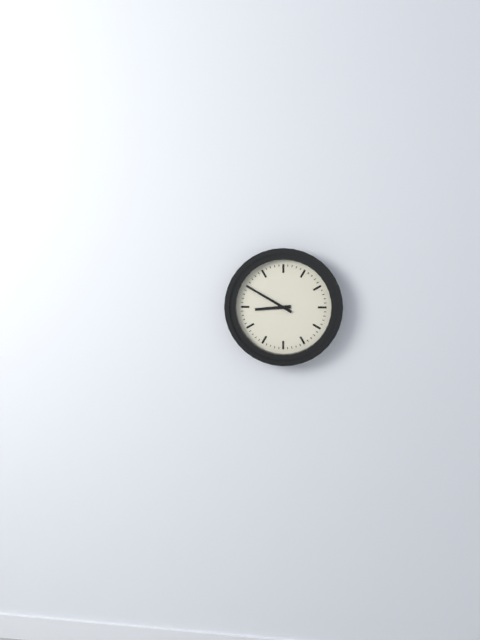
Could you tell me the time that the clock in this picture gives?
8:50
